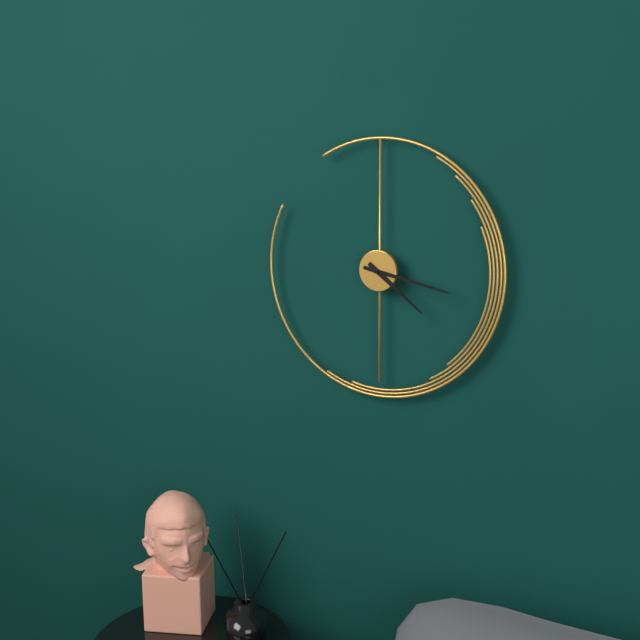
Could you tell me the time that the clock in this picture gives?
4:17
